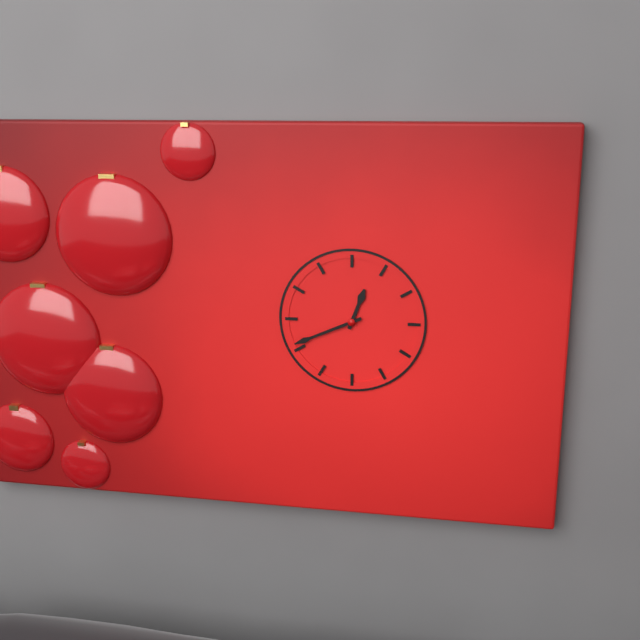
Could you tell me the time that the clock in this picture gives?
12:41
